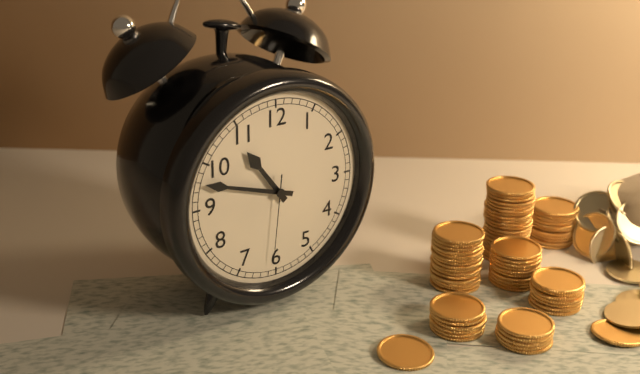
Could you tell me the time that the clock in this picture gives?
10:48:31
